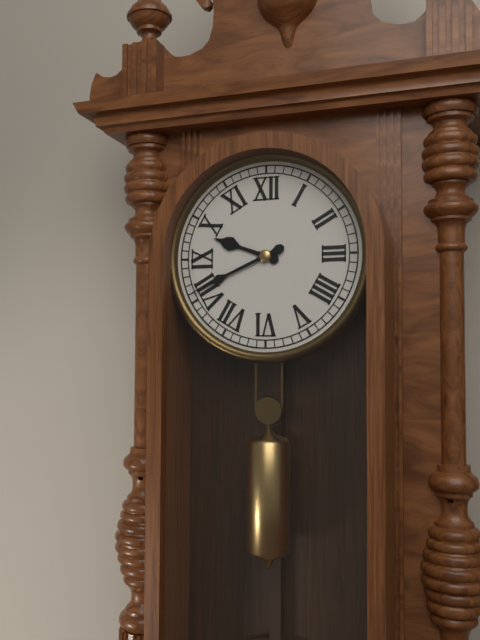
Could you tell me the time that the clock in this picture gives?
9:41
